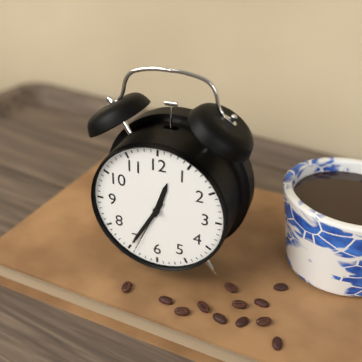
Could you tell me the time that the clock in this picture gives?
12:35:34
